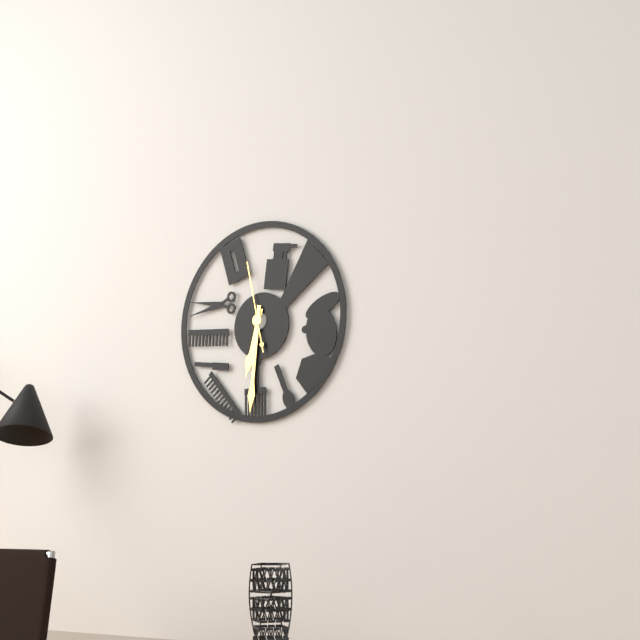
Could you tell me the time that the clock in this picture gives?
6:31:58
